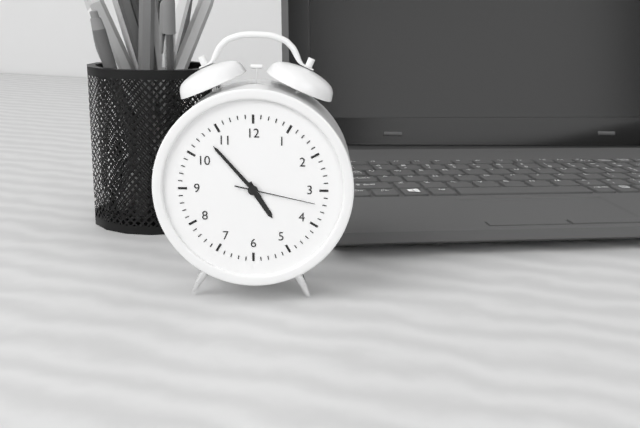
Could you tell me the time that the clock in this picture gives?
4:53:17
